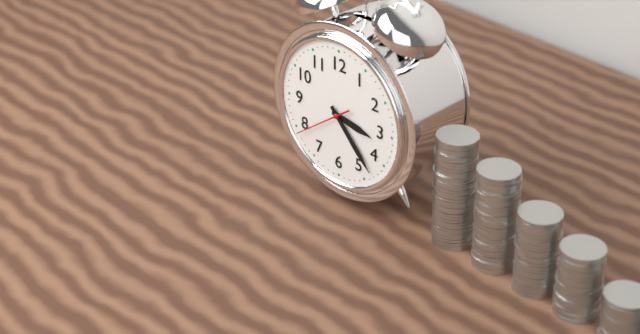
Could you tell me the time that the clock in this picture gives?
3:23:39
